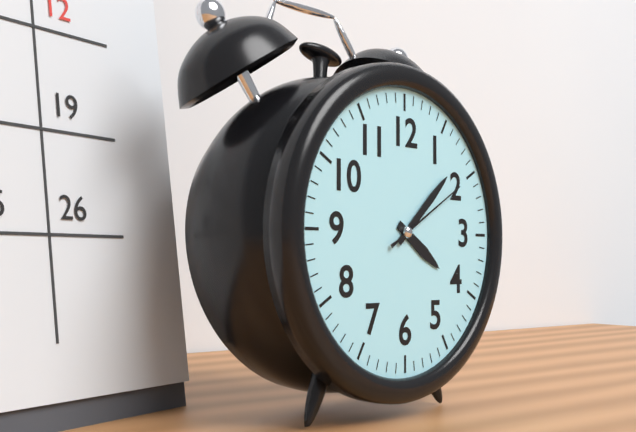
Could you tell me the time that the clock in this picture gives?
4:08:10
